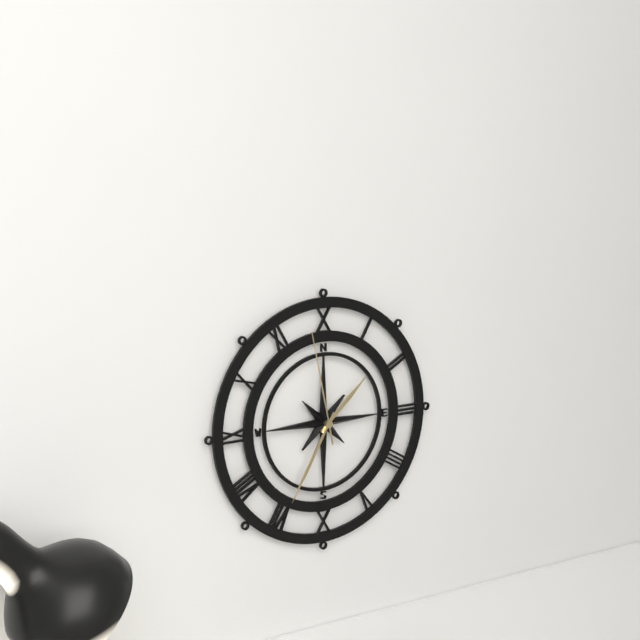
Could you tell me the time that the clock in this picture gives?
1:35:58
